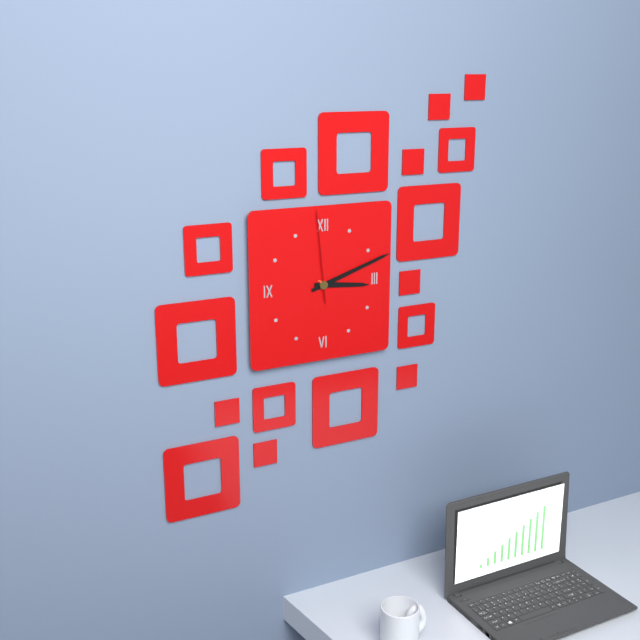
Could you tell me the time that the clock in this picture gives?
3:12:59
